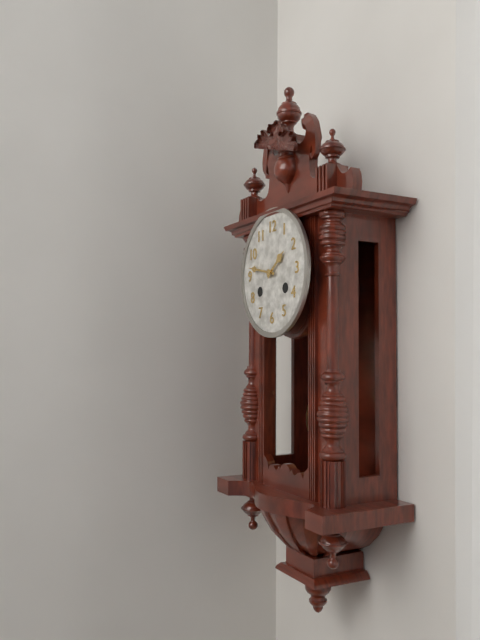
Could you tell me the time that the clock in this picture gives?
1:47
